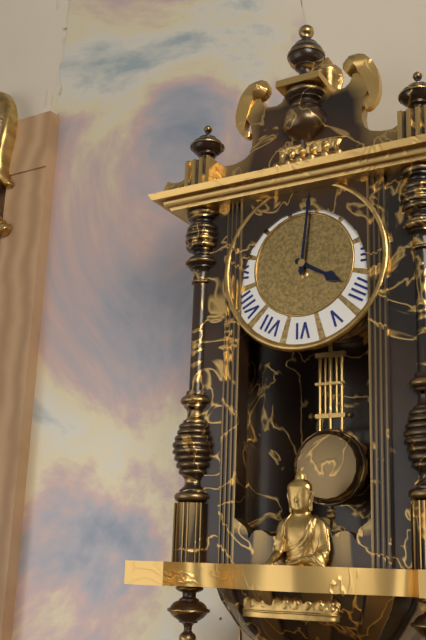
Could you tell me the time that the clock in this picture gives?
4:01
